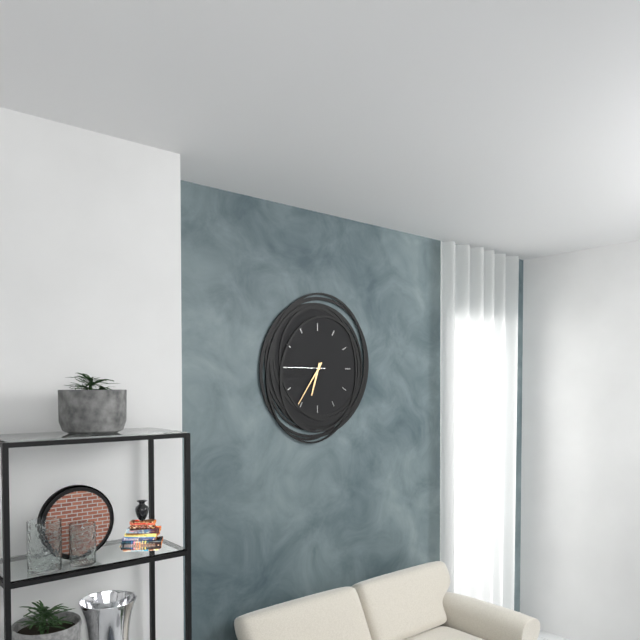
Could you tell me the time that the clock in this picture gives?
6:36
